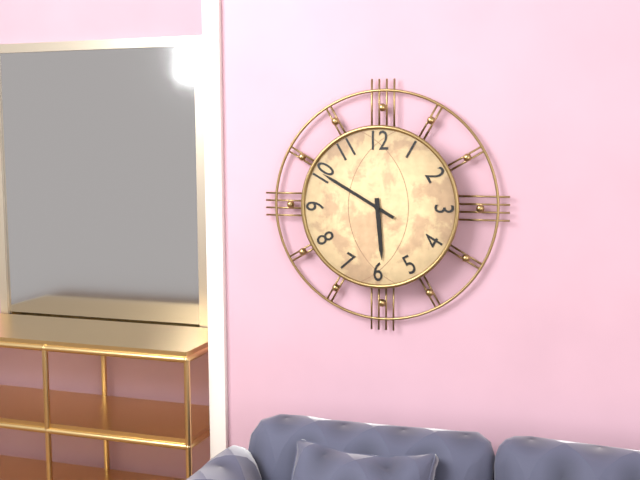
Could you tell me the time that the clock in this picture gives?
5:50
